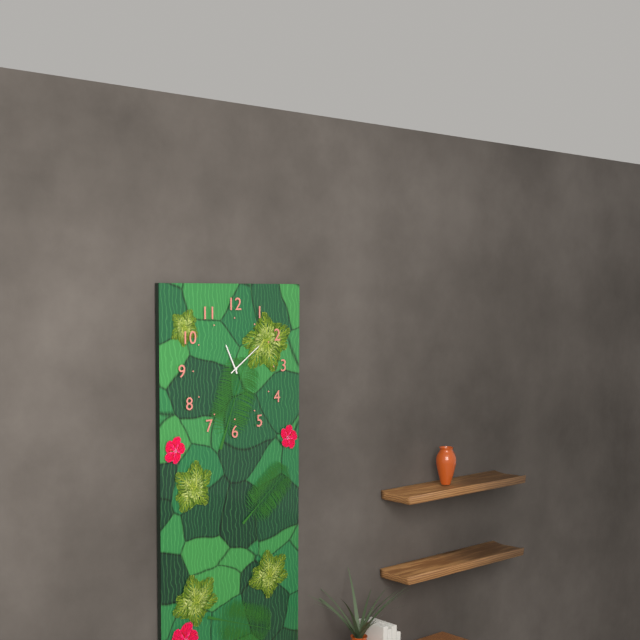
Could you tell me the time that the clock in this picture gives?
11:09
